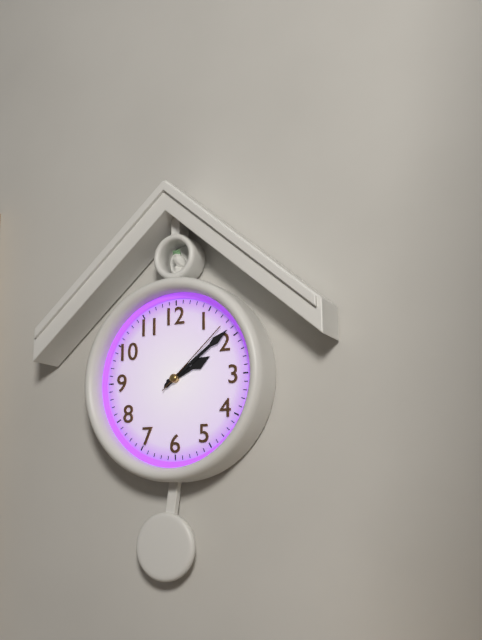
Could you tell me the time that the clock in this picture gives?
2:09:08
